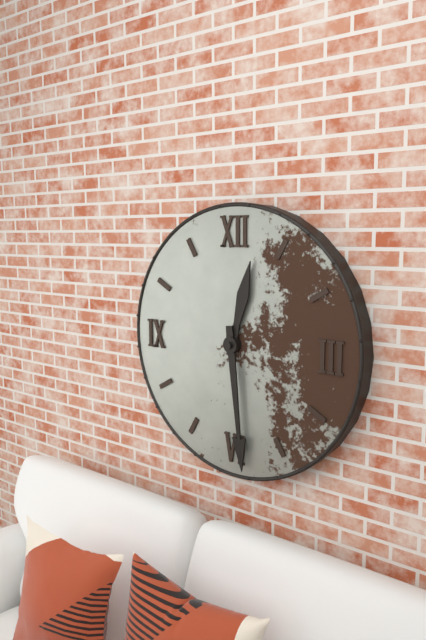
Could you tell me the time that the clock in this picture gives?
12:29
